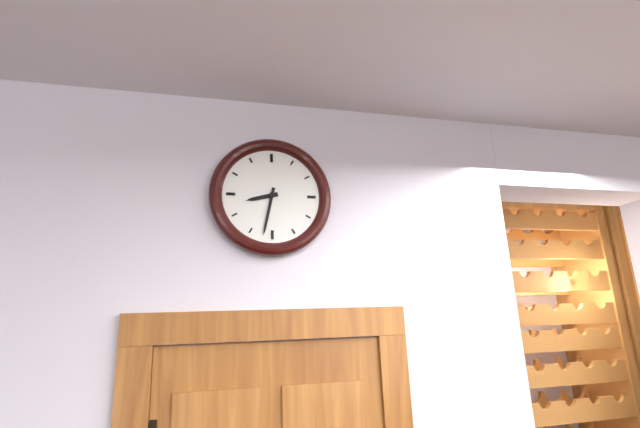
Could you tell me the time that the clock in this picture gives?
8:32
